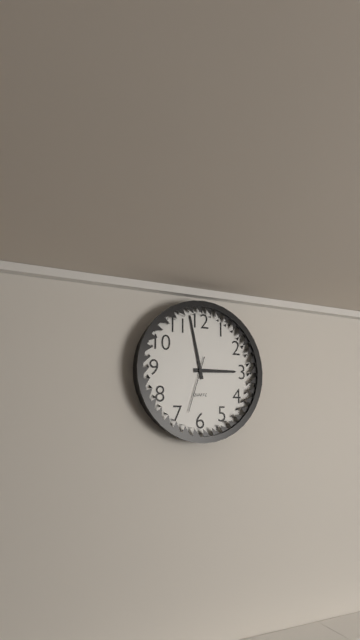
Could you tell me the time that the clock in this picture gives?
2:58:33
